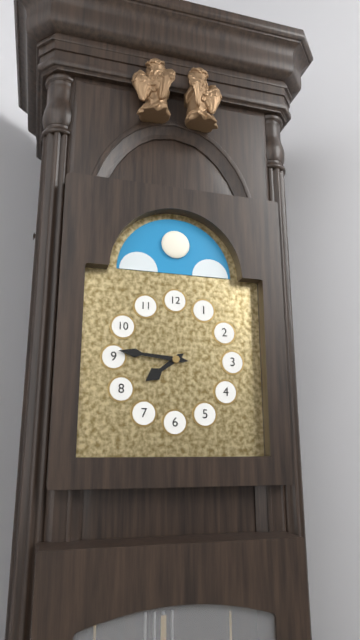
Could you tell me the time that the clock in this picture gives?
7:46
